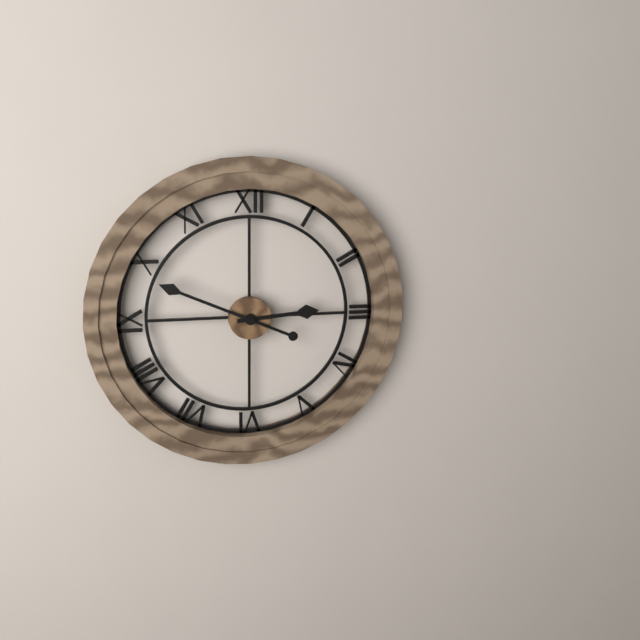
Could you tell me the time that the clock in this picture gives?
2:49
